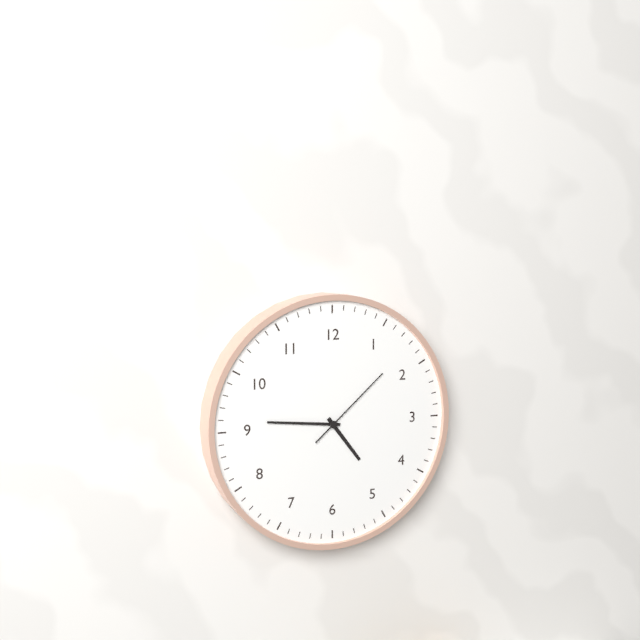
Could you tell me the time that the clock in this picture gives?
4:46:08
